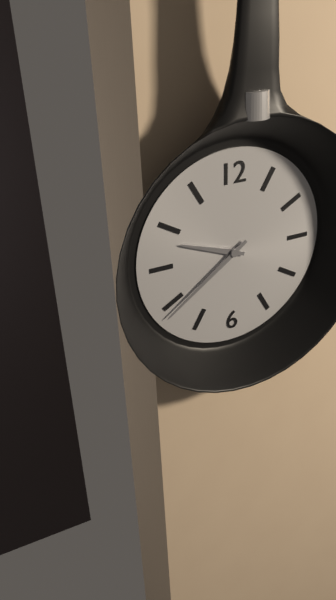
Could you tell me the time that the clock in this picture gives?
9:39
